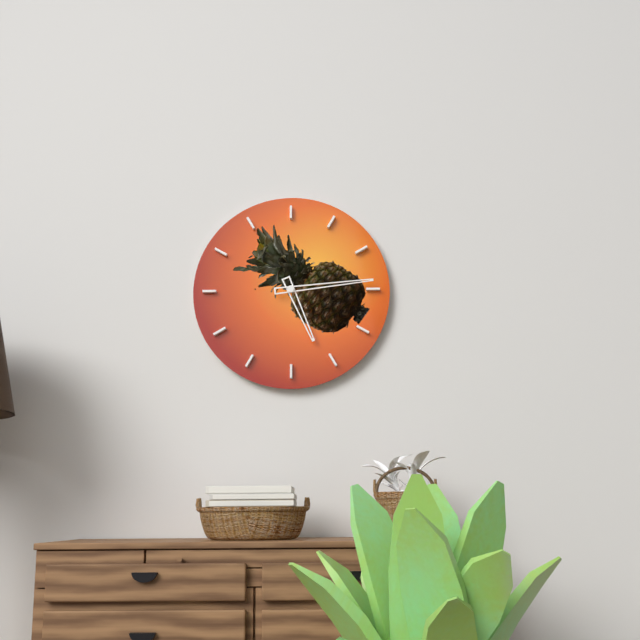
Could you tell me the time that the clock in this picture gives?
5:14
